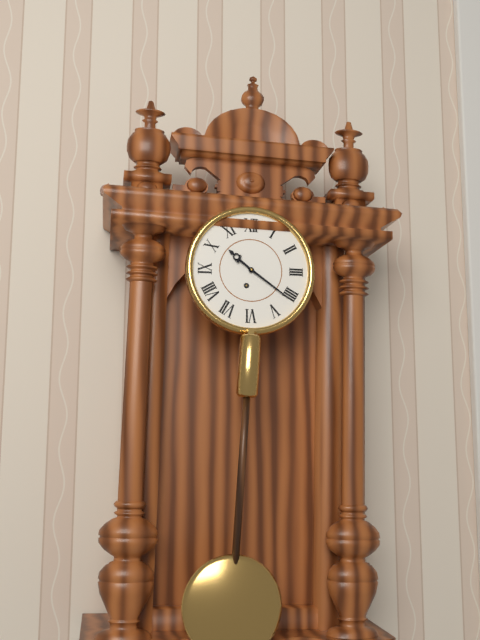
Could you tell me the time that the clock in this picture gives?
10:21
